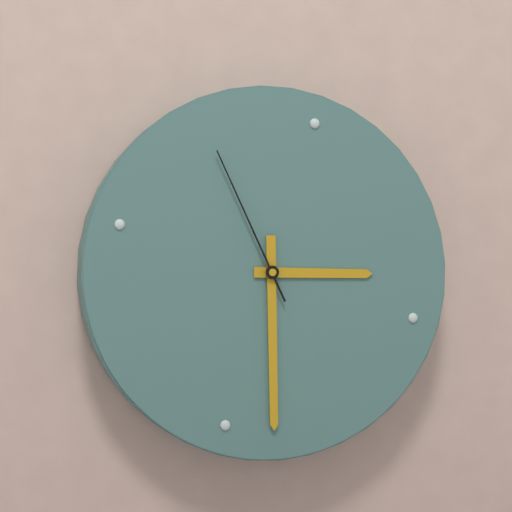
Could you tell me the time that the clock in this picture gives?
2:27:53
